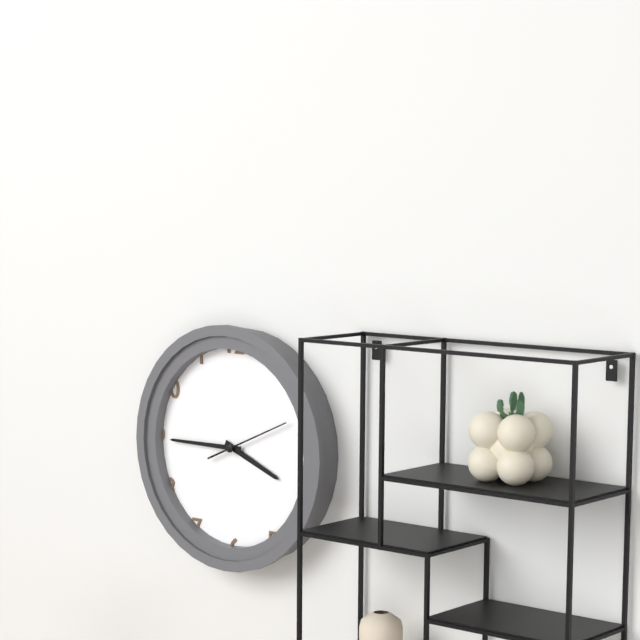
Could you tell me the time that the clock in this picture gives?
3:45:11
